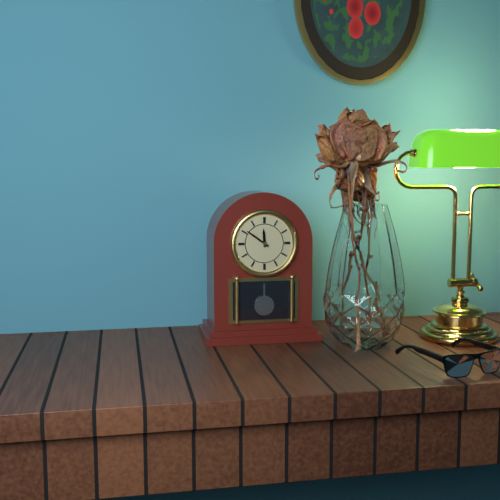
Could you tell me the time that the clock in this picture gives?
11:51
